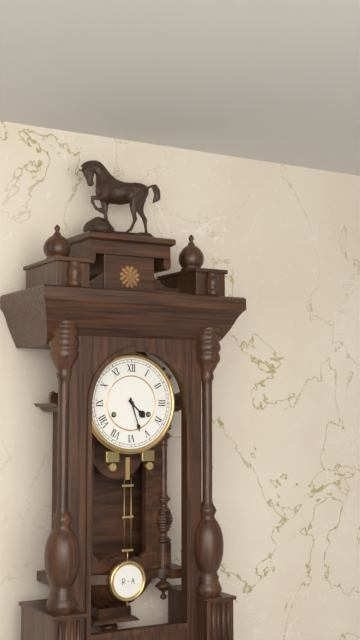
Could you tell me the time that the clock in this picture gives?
4:27
